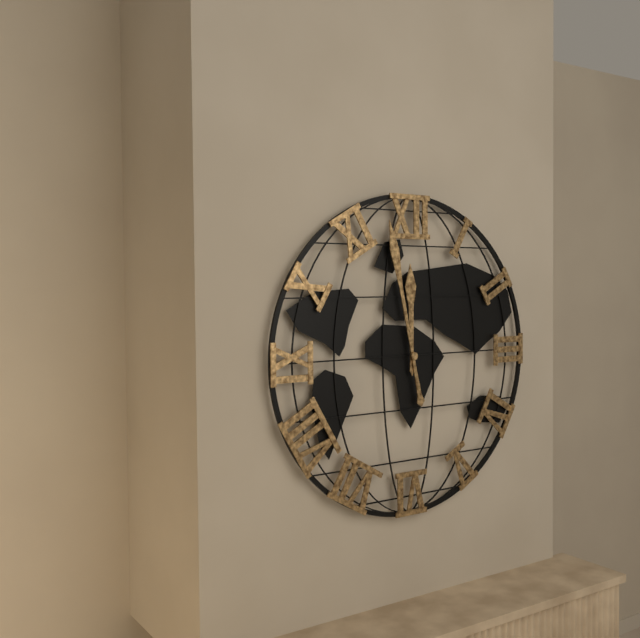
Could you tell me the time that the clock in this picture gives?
11:58
